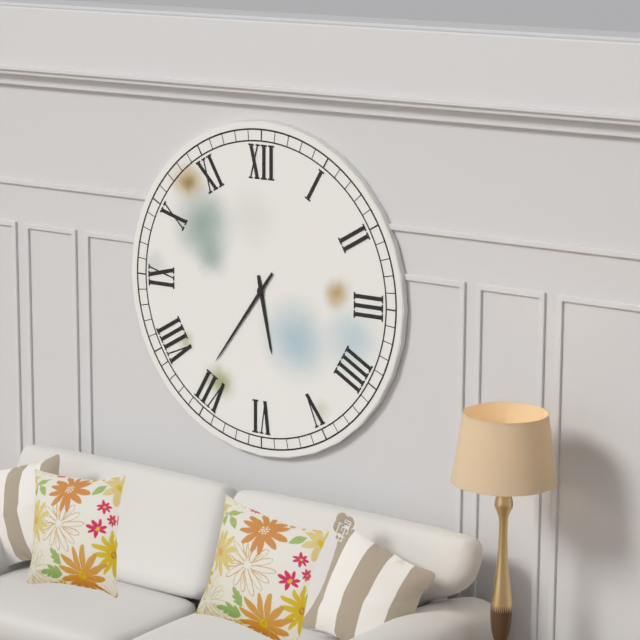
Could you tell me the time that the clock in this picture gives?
5:36
